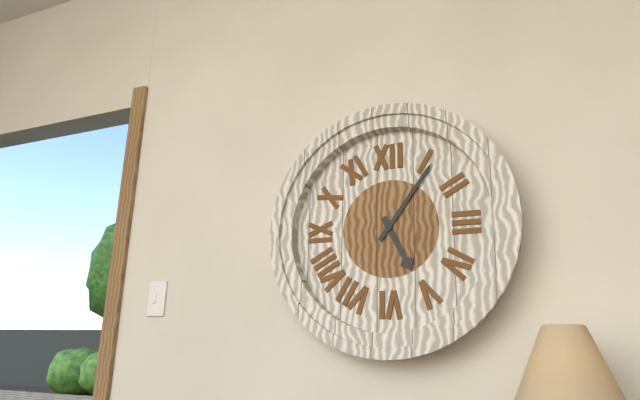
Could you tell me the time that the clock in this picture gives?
5:06
